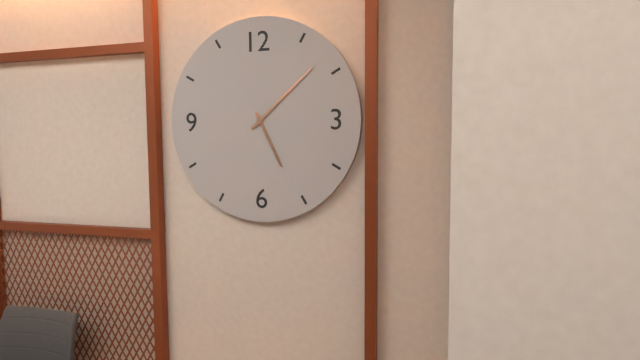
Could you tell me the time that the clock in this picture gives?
5:08
